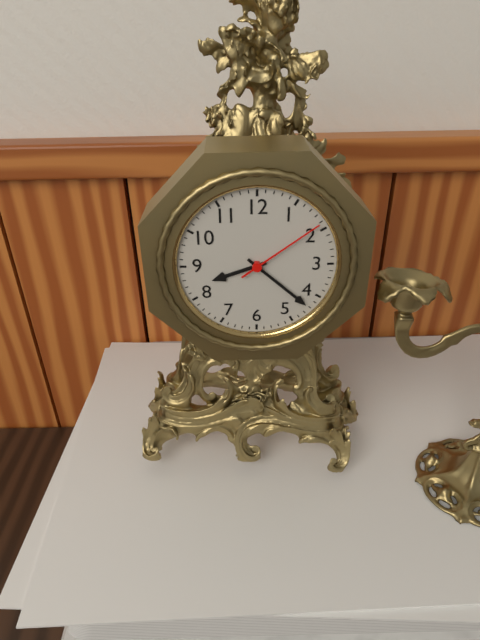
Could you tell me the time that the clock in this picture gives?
8:22:09
